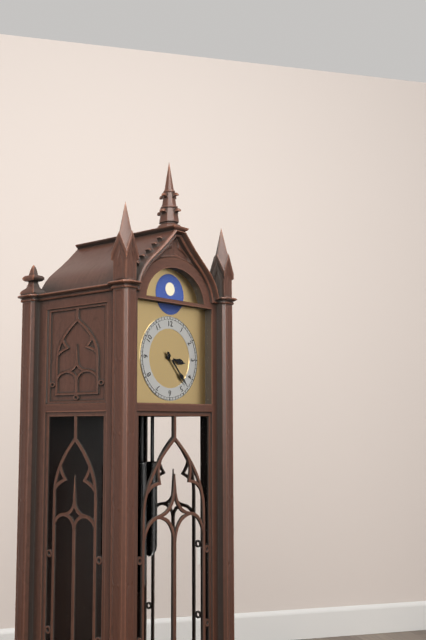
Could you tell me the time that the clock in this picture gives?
3:23
